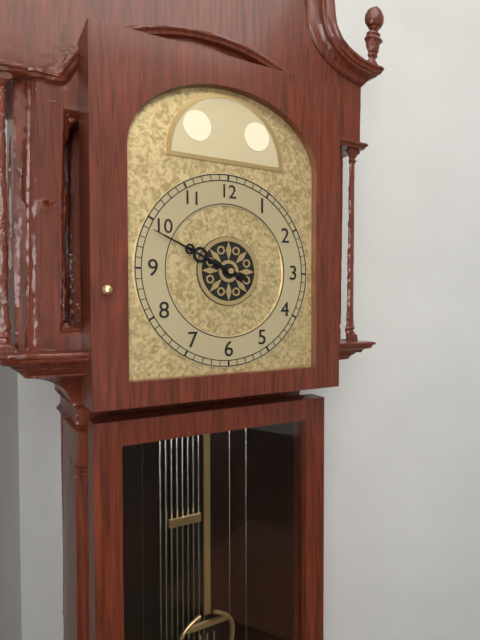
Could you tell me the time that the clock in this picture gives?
9:49
